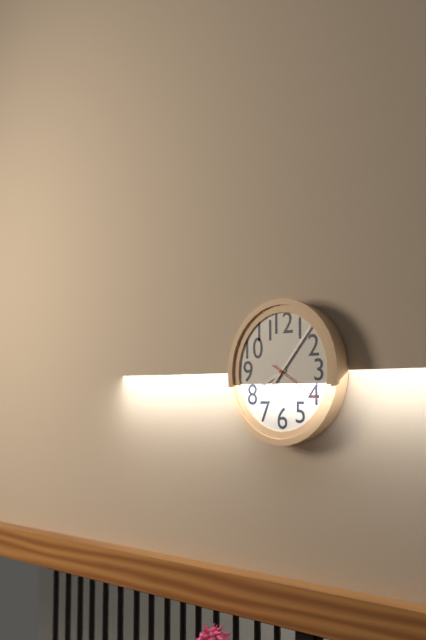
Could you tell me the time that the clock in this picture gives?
8:07:20
